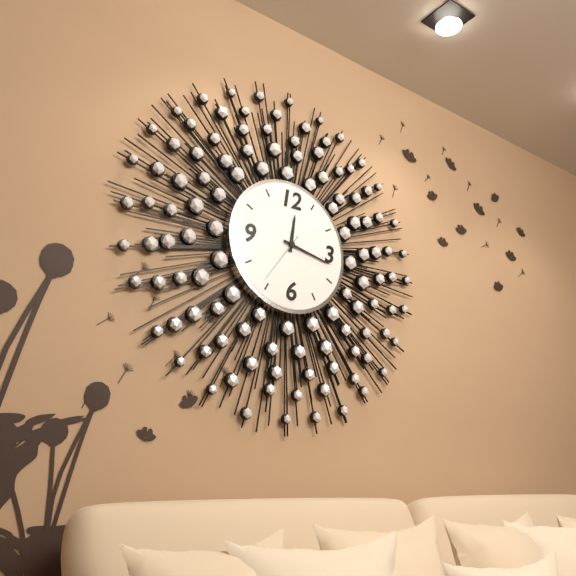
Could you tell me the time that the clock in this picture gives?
12:17:36
